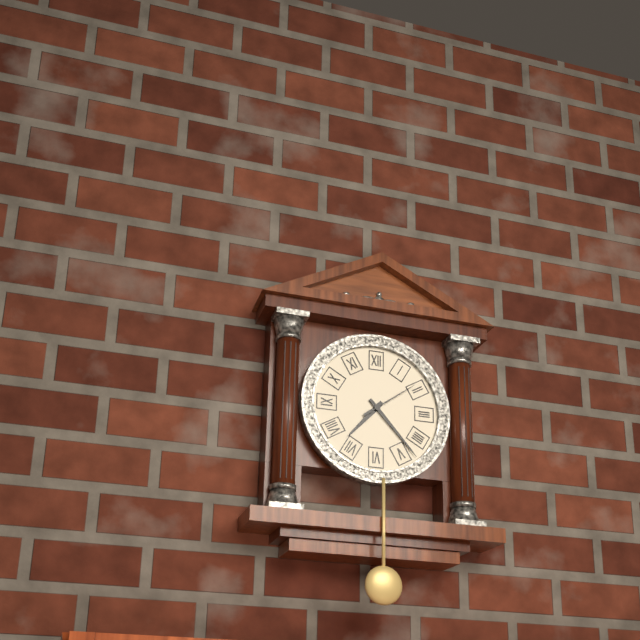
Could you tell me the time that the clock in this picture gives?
7:23:09
